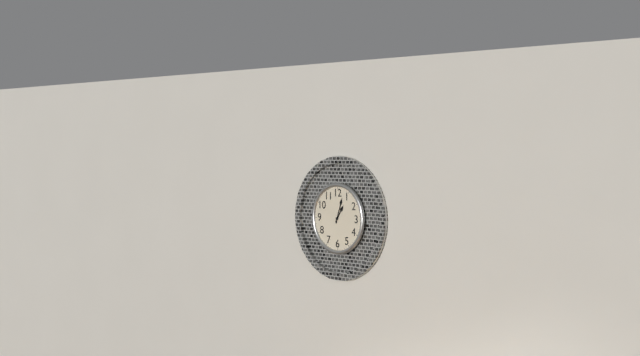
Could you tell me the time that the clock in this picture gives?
1:03
